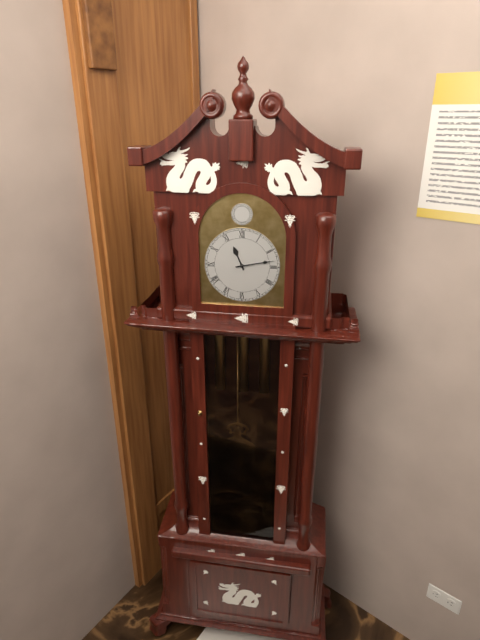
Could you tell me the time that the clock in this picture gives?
11:13
